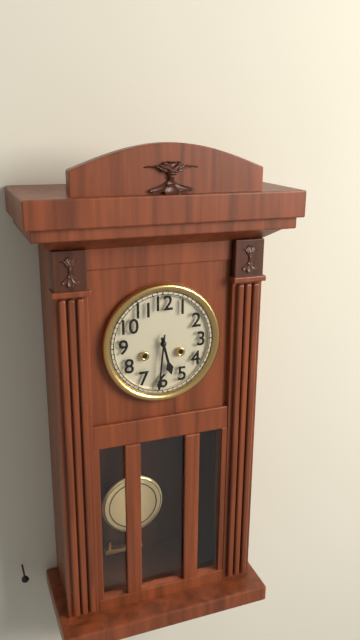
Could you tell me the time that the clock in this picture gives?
5:31
